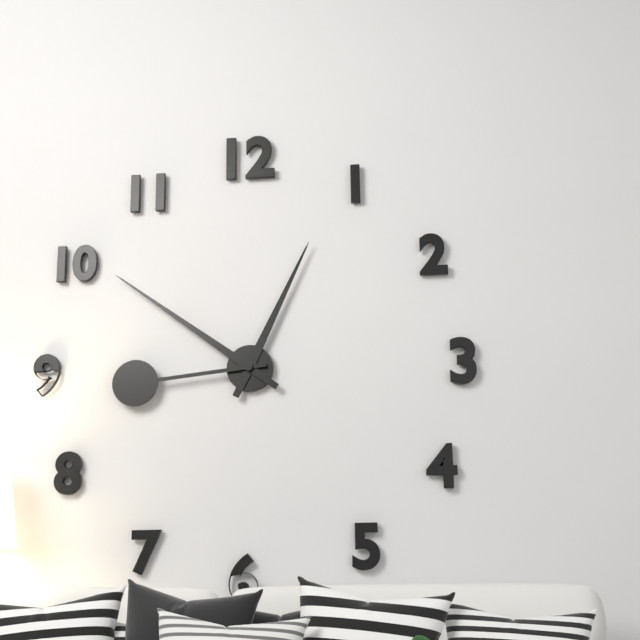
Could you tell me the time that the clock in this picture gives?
12:51:44
